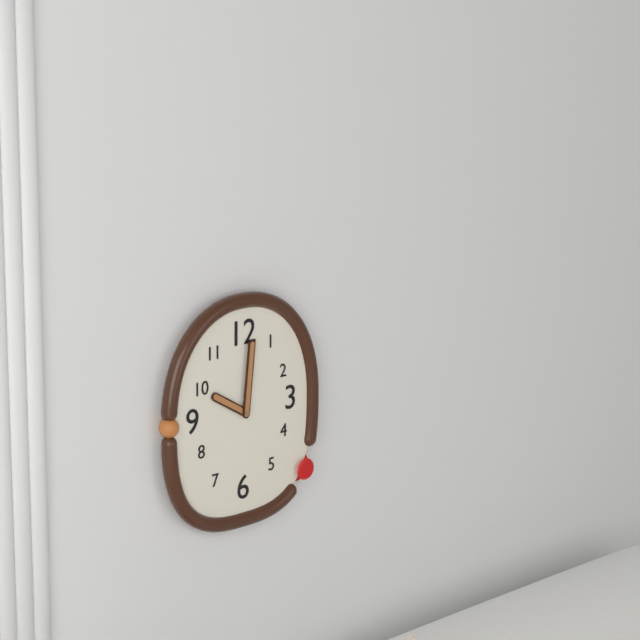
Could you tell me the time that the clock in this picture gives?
10:01
